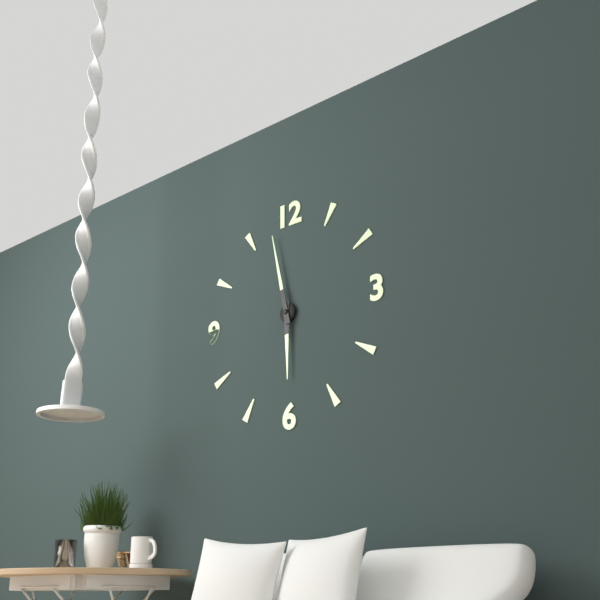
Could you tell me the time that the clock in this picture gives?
5:58
